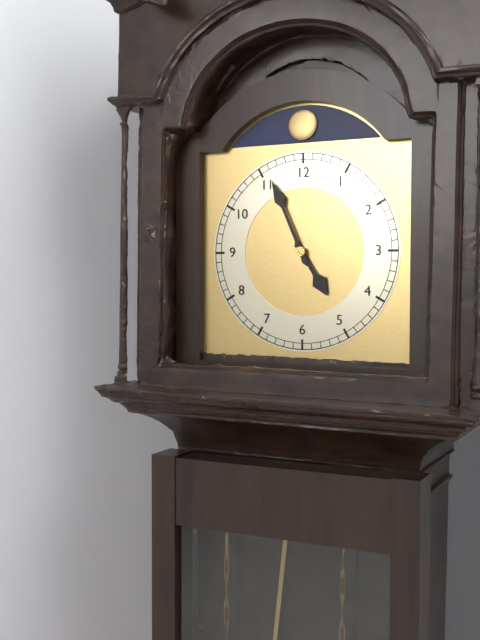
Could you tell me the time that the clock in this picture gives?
4:56
